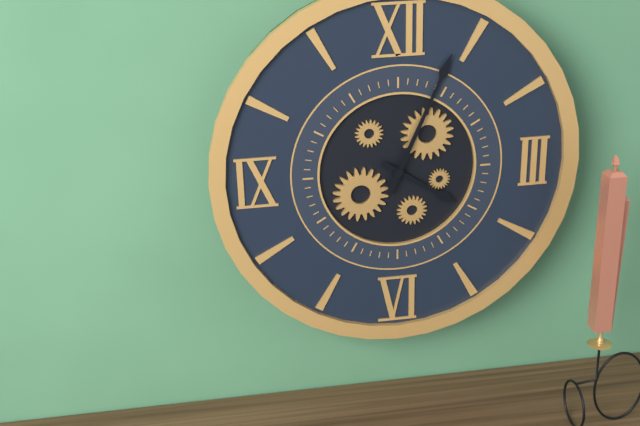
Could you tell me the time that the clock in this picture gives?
4:04
